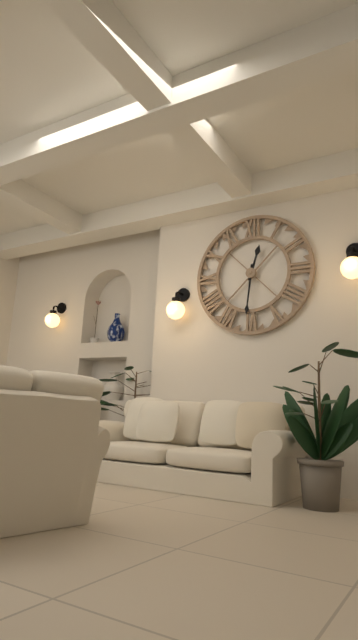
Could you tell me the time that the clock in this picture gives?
12:31
